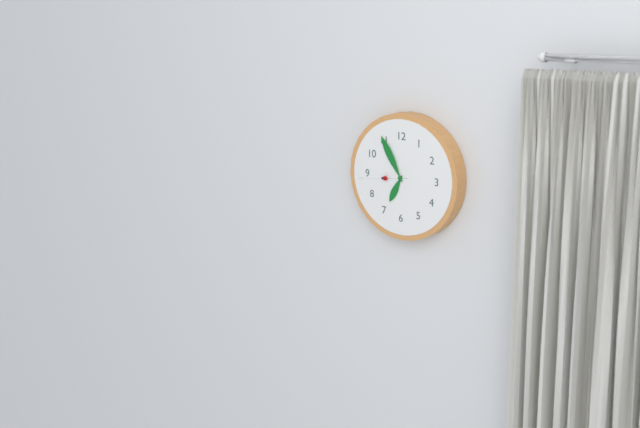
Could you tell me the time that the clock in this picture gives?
6:55:44
